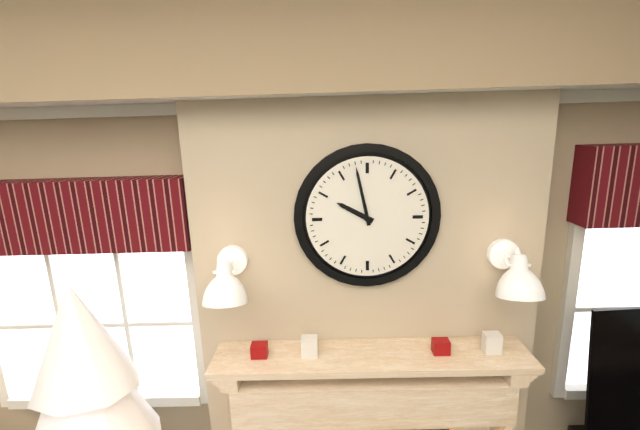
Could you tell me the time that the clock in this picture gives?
9:58
